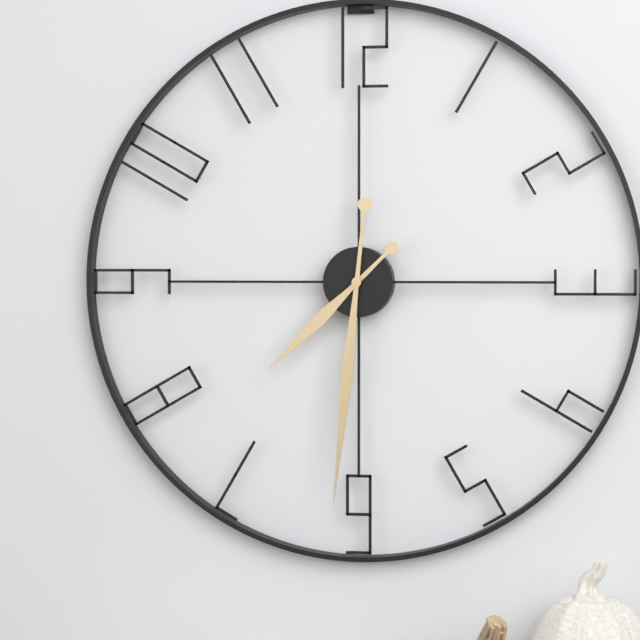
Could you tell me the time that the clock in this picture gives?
7:31
